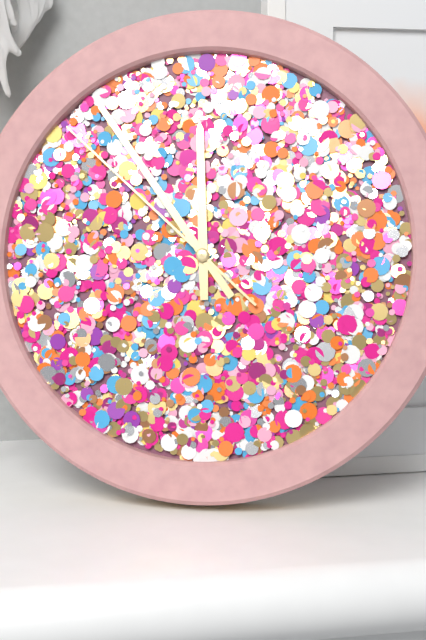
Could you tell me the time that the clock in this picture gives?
11:54:52
